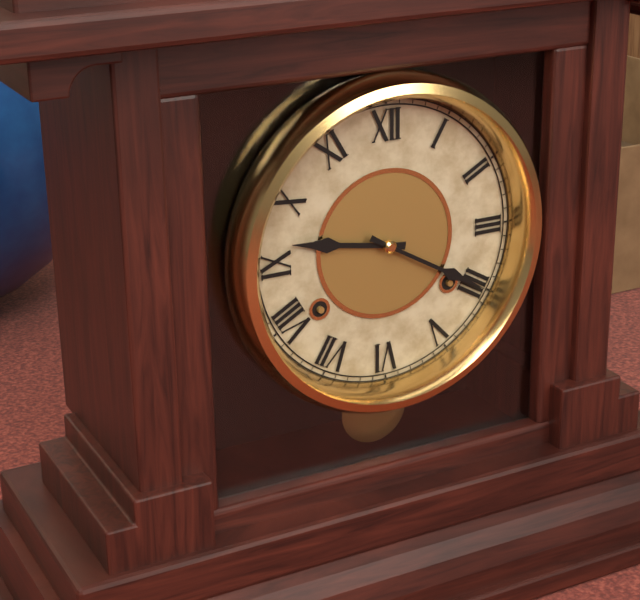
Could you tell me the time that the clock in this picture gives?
9:20
